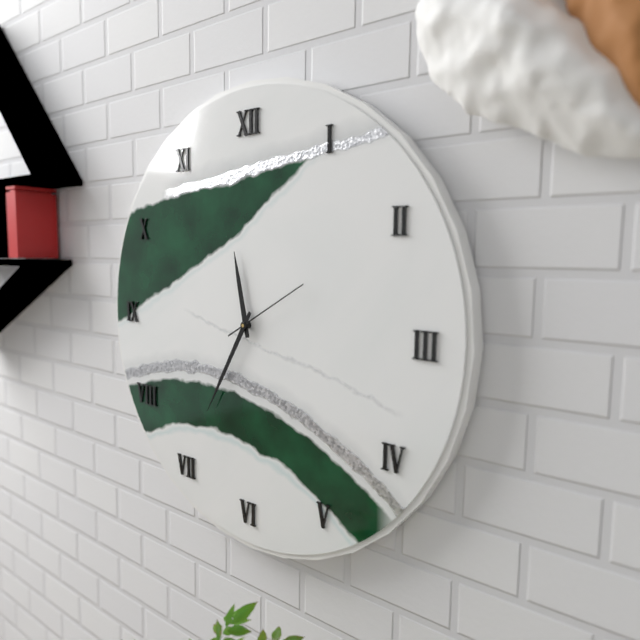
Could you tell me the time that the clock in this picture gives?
11:35:10
